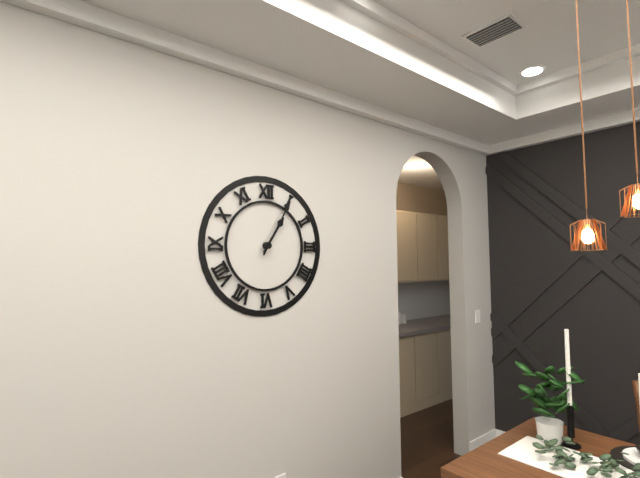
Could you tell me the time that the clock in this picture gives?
1:05
